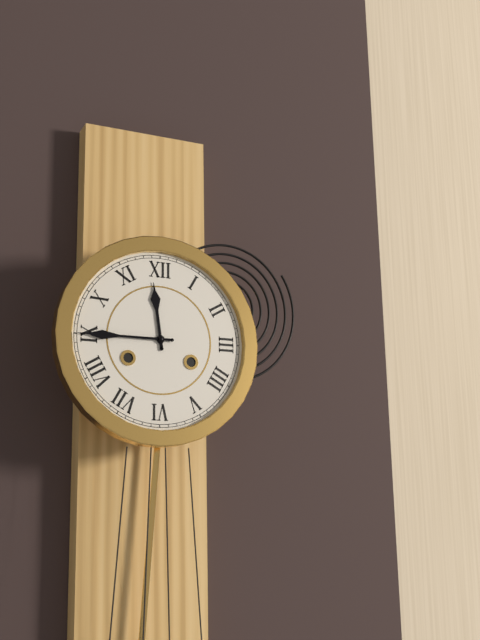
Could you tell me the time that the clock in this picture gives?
11:45
